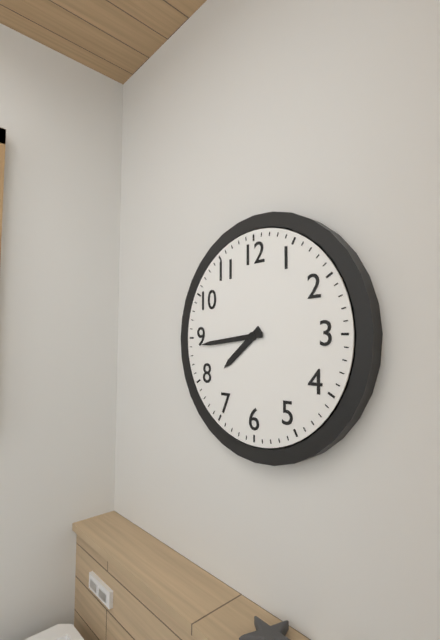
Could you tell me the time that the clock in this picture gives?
7:44
